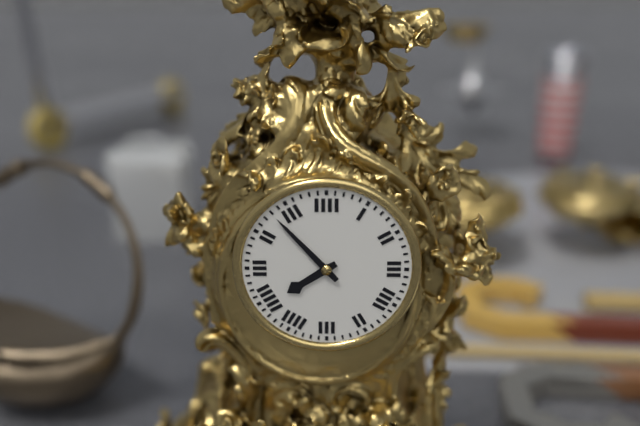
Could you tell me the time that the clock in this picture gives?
7:53
